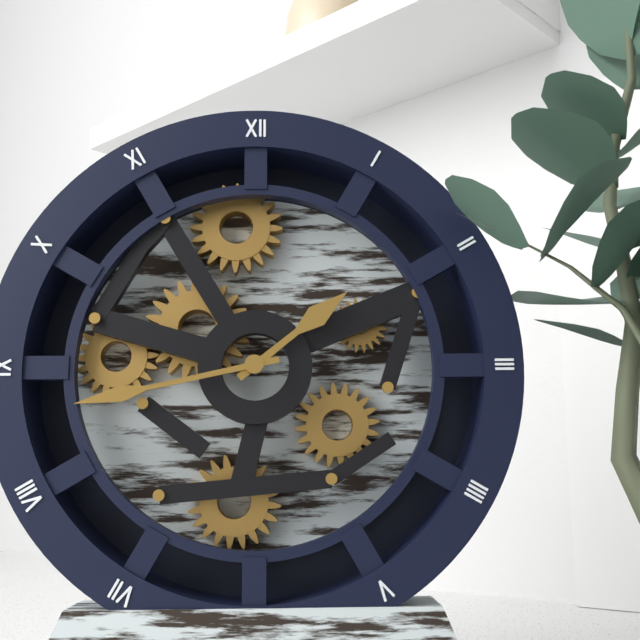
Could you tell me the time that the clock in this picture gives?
1:43
